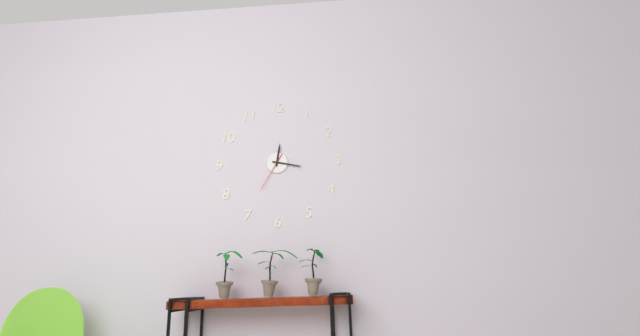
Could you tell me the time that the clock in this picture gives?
12:17
